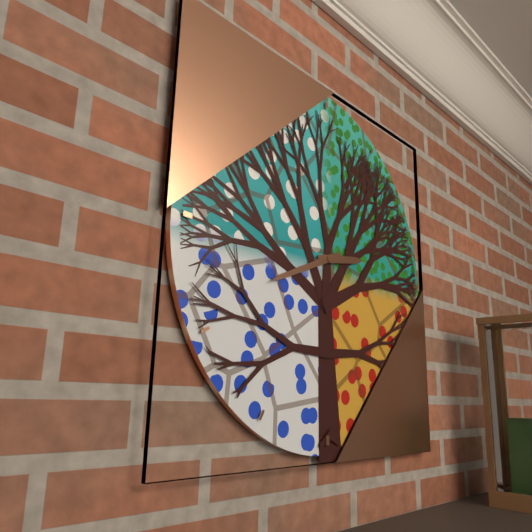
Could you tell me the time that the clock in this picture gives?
2:41
